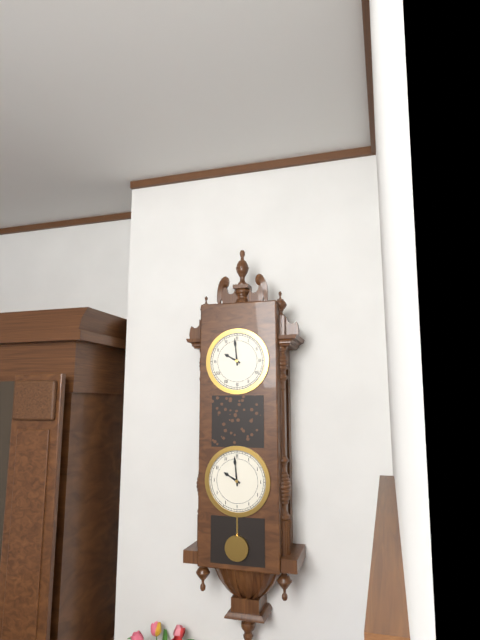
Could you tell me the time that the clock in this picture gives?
9:59
